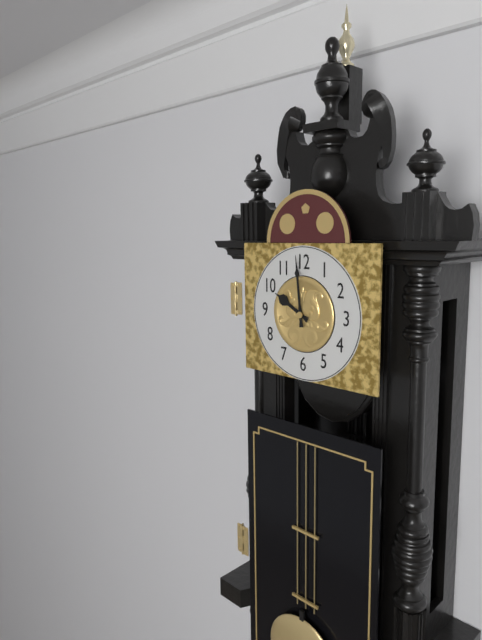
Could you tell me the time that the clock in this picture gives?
9:59
